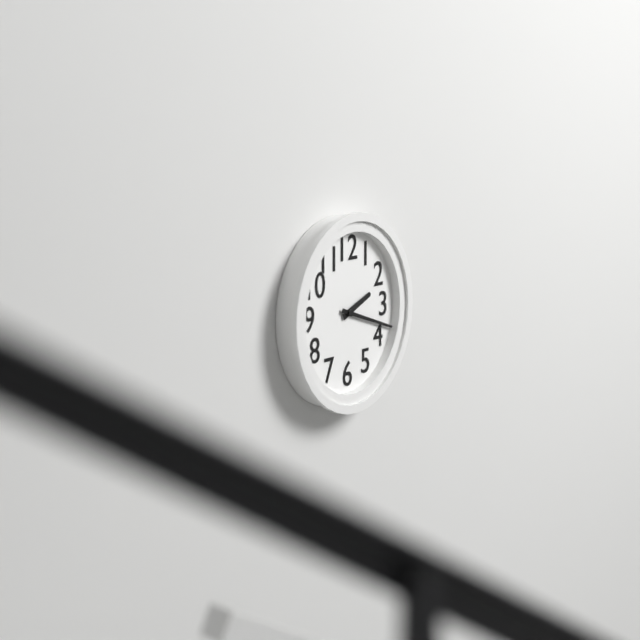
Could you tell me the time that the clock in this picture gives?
2:18
